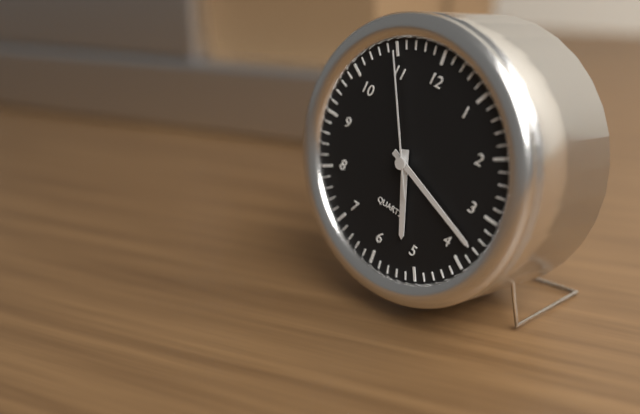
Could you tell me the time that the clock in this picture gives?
5:18:55
